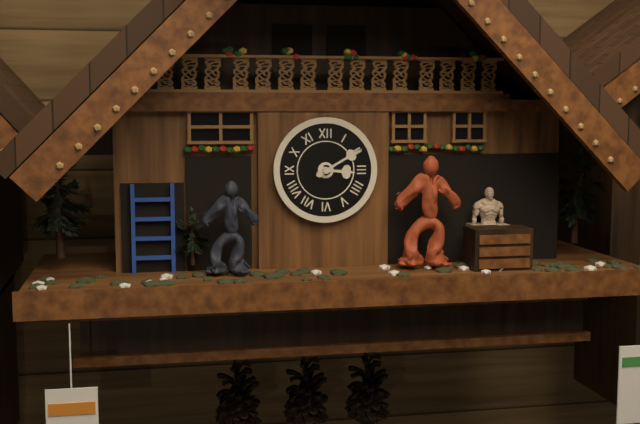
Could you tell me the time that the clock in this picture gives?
3:10
